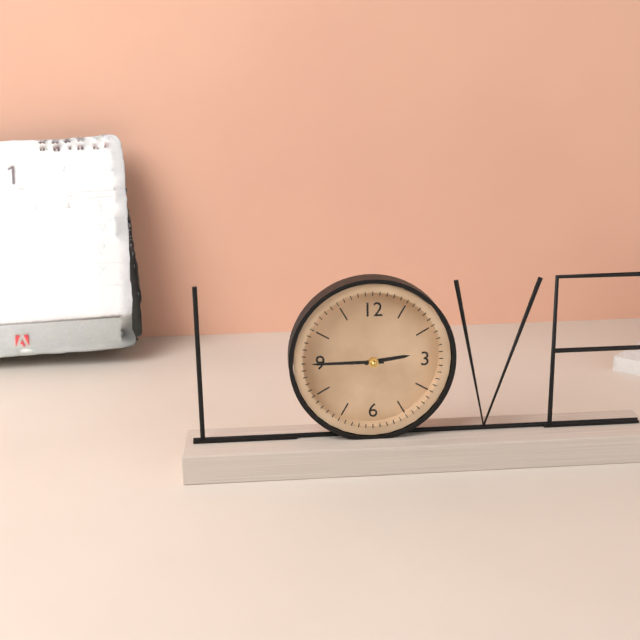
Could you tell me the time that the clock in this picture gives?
2:45
